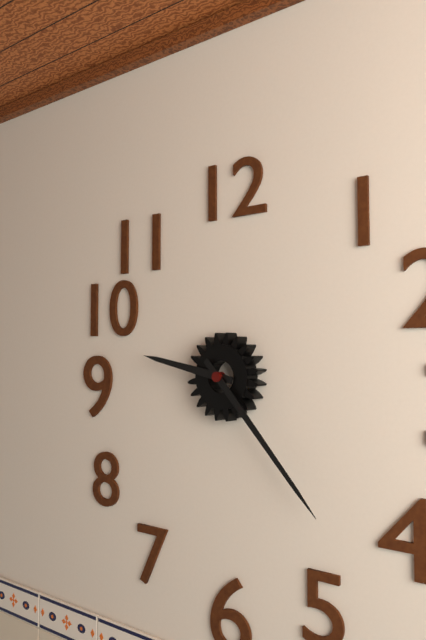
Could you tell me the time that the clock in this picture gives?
9:23
